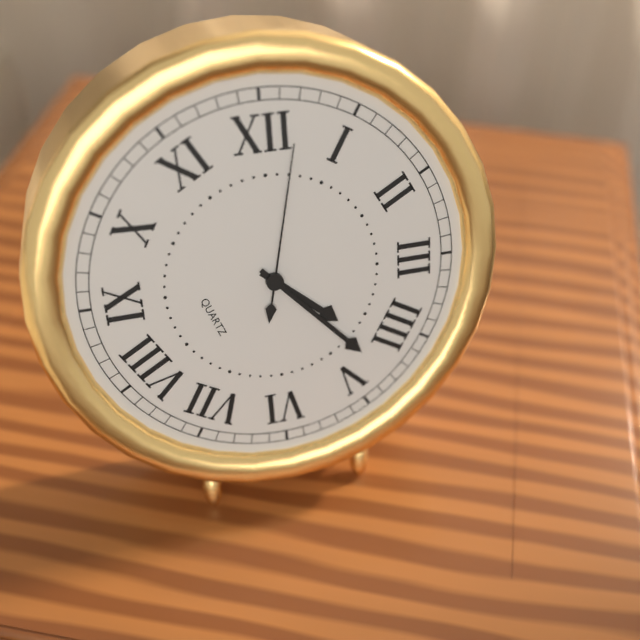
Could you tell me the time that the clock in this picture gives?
4:23:02
